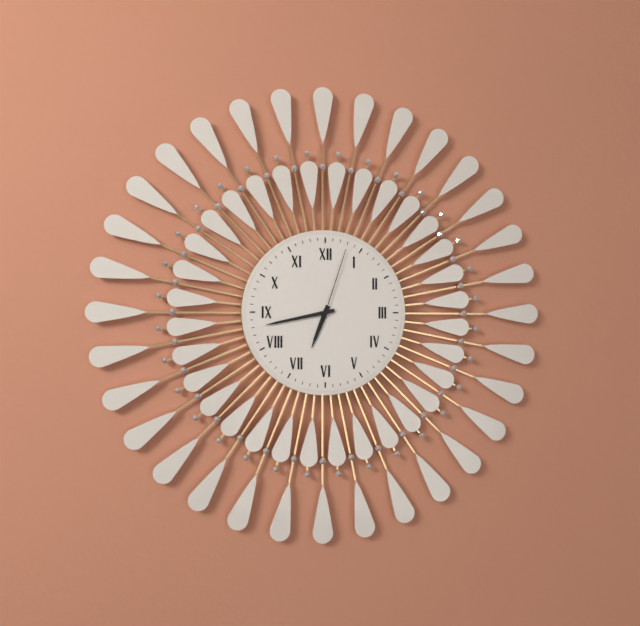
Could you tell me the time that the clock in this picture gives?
6:43:03
